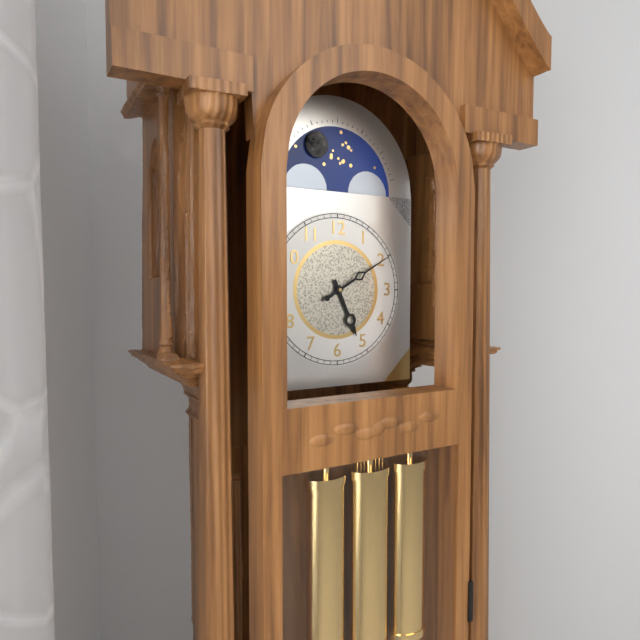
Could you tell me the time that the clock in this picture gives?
5:10
